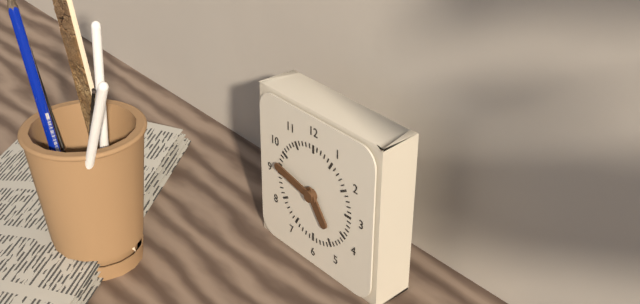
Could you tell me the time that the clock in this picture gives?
4:47
